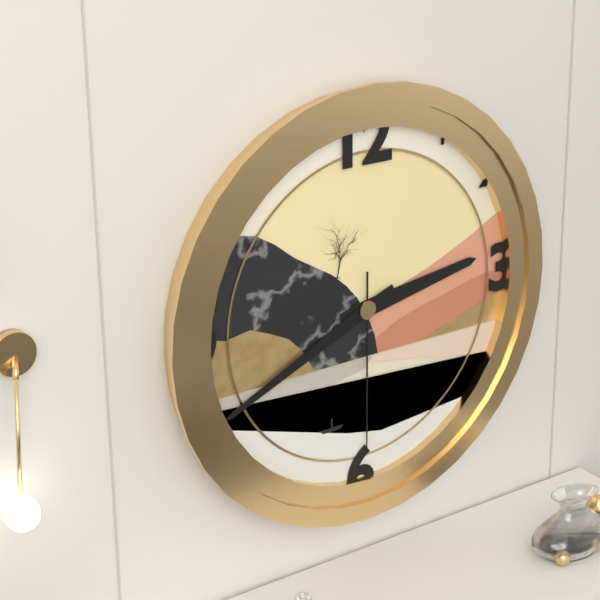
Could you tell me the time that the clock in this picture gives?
2:41:30
